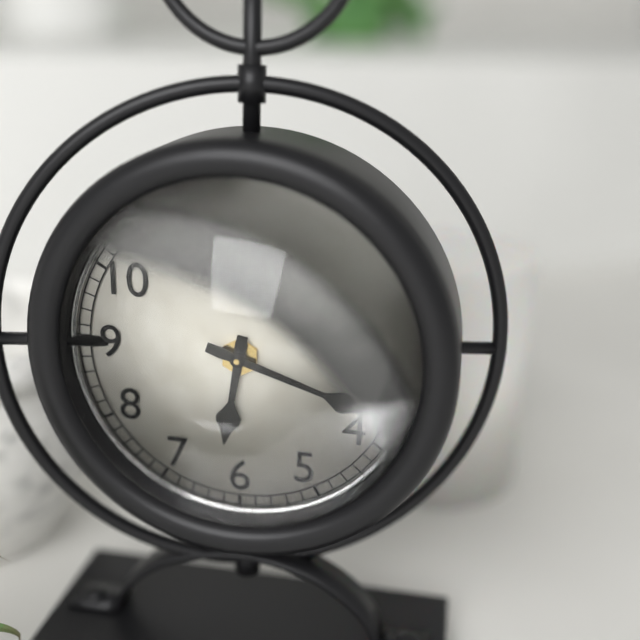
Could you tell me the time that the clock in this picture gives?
6:18
